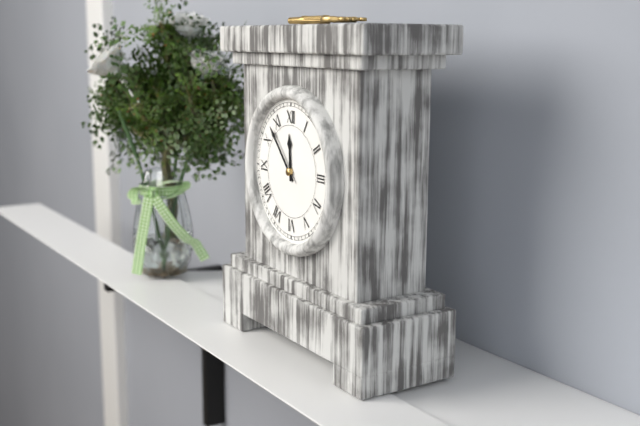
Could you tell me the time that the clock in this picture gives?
11:53
